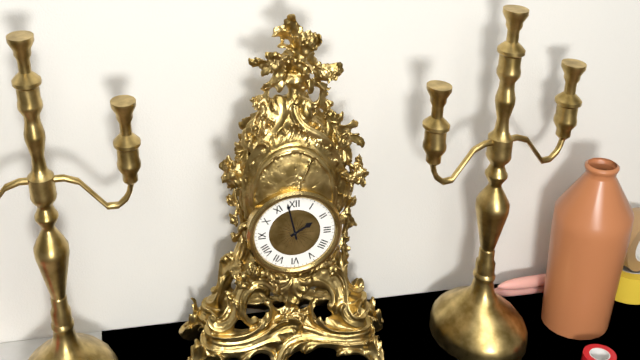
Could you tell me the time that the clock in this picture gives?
1:58
